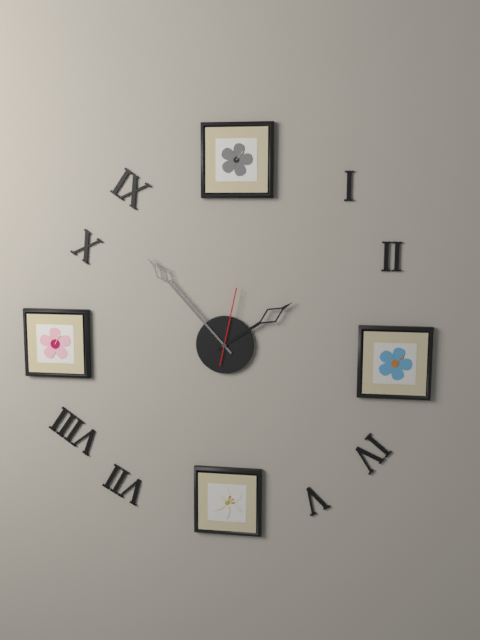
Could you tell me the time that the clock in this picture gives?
1:53:02
